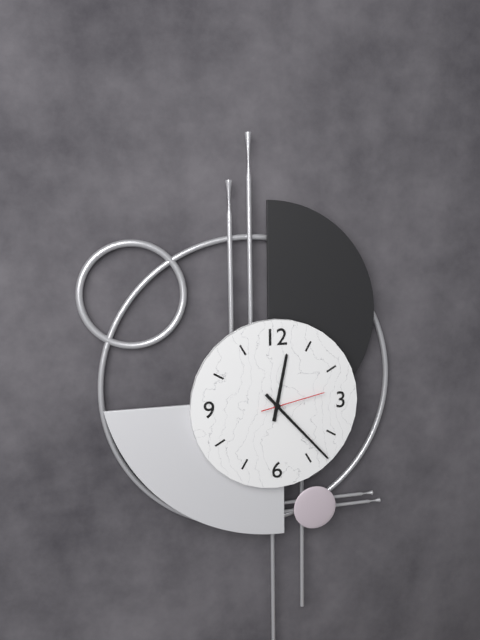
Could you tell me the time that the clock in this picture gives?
12:23:13
